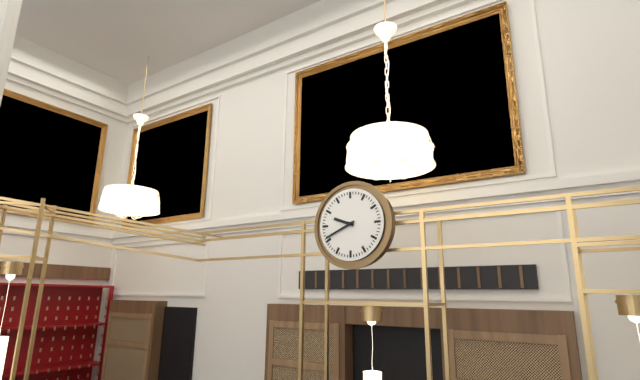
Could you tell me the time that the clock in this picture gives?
9:41
